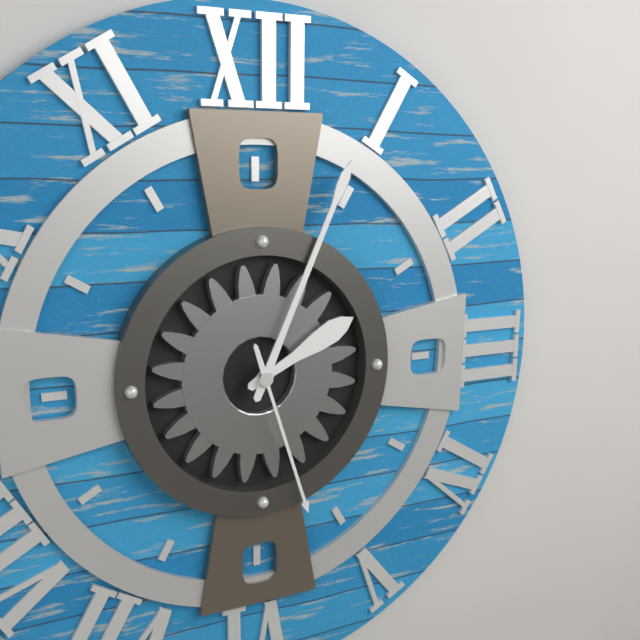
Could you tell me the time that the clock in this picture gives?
2:04:27
